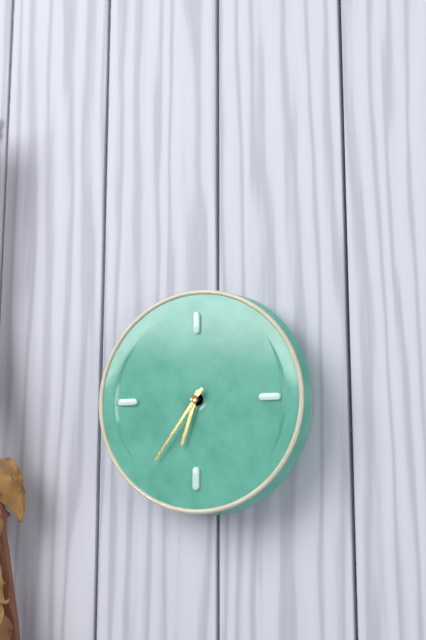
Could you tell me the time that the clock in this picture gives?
6:36
